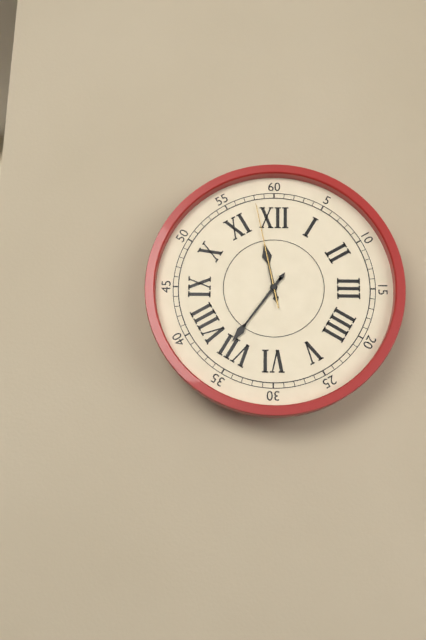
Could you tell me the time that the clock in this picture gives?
11:36:58
